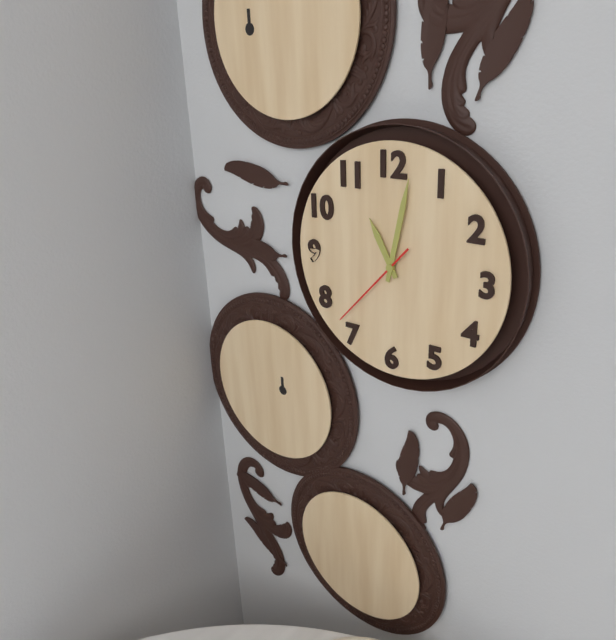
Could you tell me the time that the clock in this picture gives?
11:02:37
